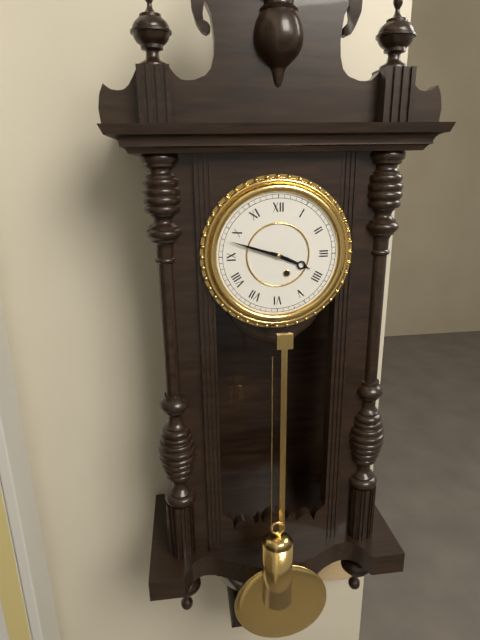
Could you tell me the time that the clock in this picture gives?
3:48
